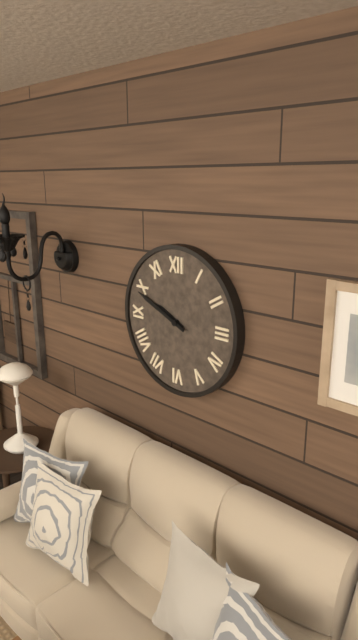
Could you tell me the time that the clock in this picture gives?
9:49
